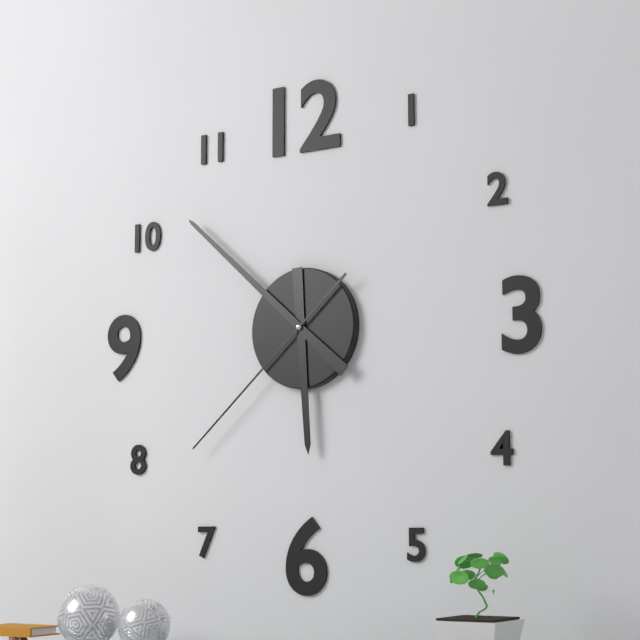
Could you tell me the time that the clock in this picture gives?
5:52:38
